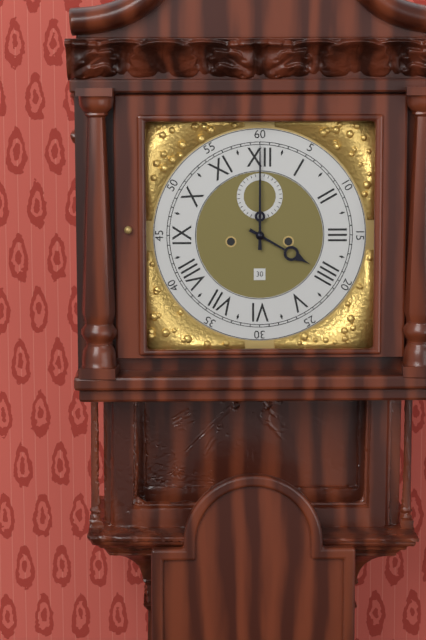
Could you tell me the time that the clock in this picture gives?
4:00
